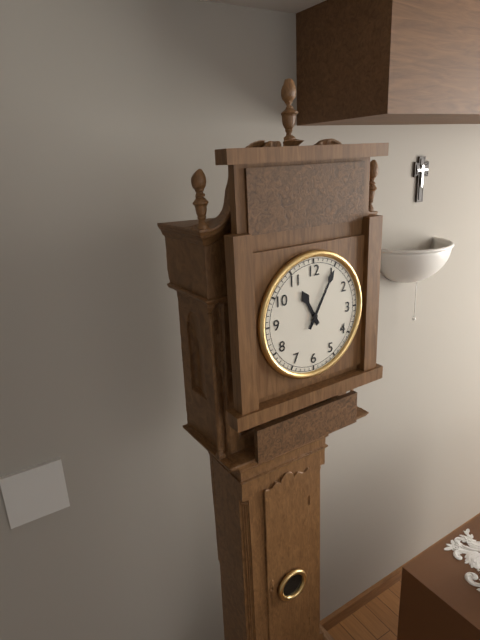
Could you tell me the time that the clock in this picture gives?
11:05
